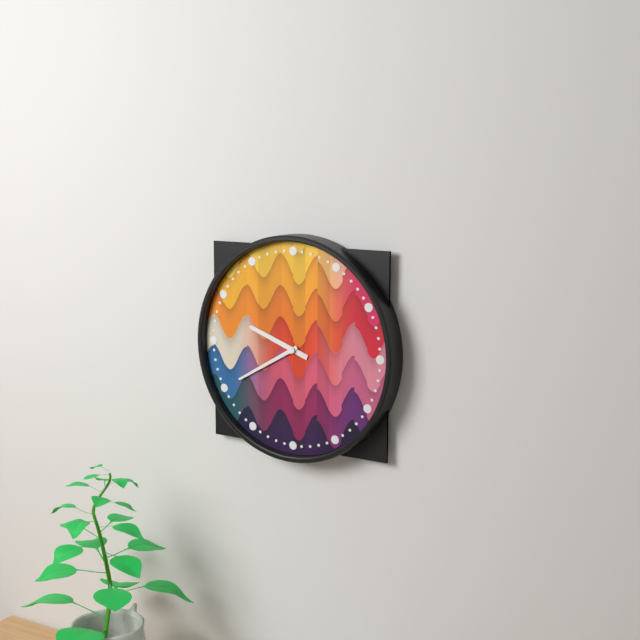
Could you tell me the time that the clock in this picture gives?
9:40
